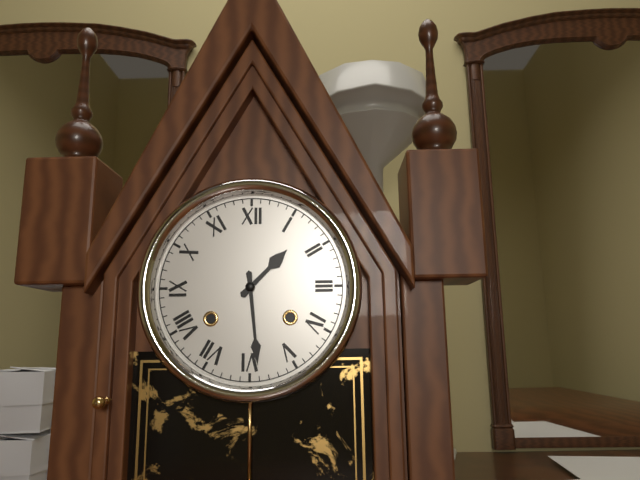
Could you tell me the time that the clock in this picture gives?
1:29
